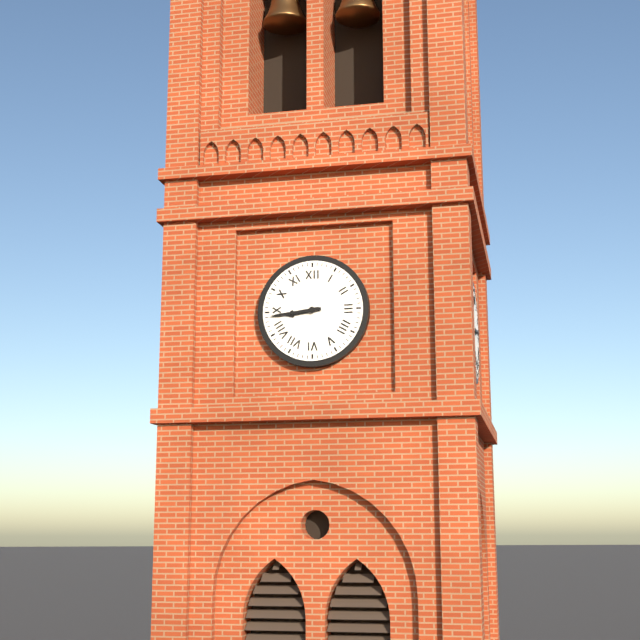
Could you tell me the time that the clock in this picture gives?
8:44
